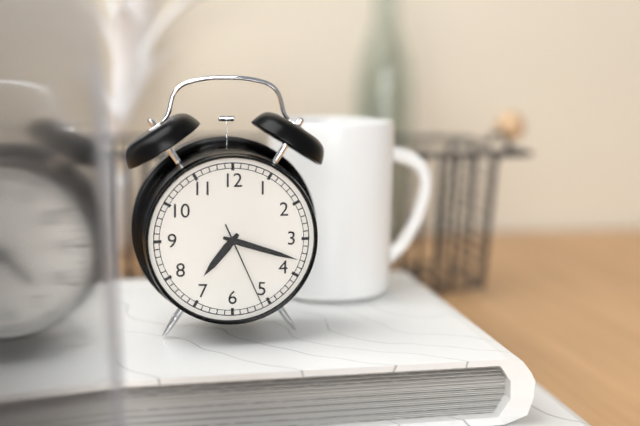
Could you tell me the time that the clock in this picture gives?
7:18:26
